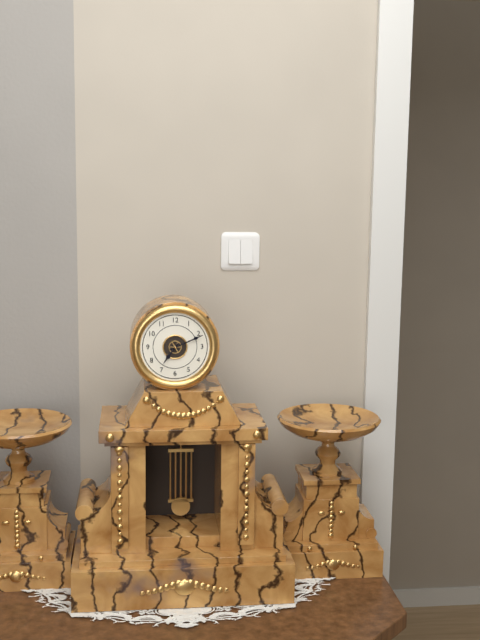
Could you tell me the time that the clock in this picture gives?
7:11
